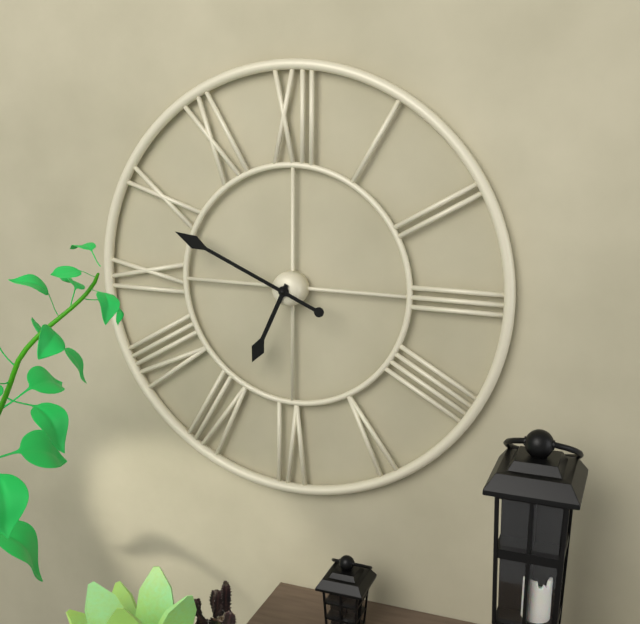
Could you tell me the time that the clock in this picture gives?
6:49
